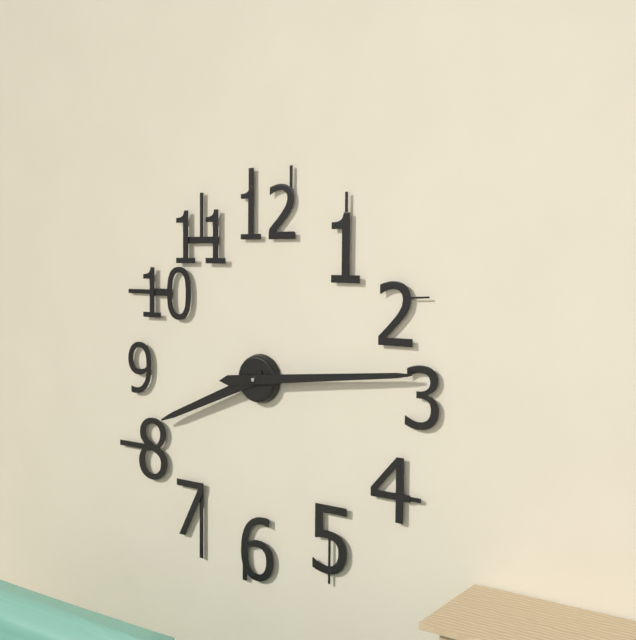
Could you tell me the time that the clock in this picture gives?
8:14
